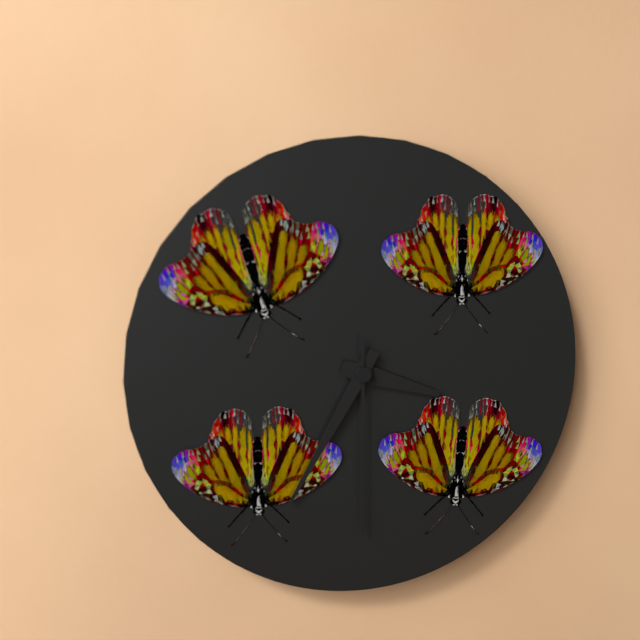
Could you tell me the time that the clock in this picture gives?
3:35:30
